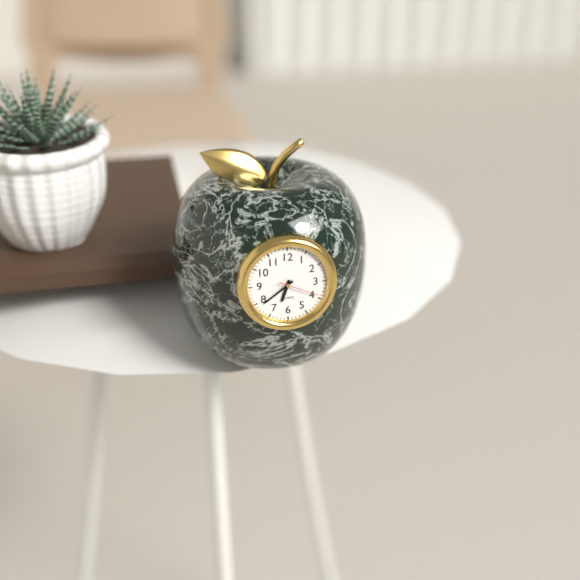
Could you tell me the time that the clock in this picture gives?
6:39
